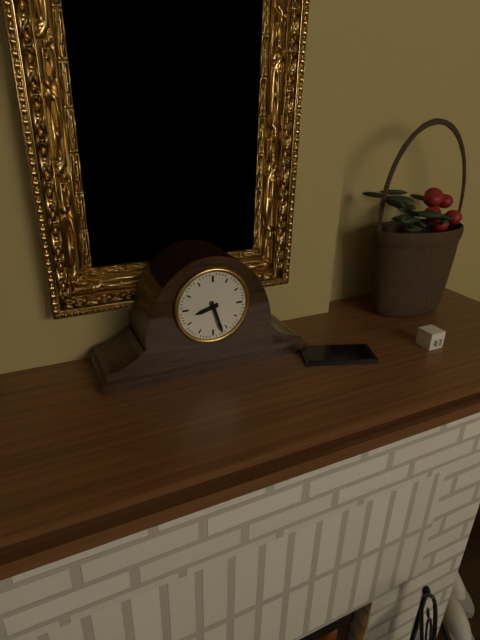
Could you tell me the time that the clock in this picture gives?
8:27
